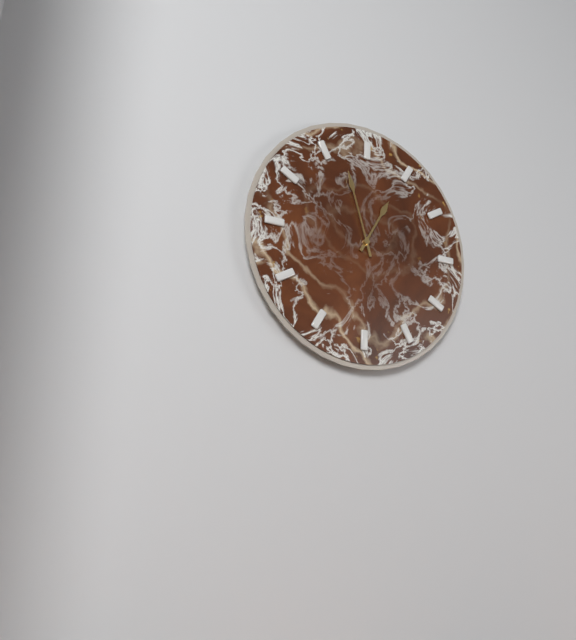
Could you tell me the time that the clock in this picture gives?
12:57
